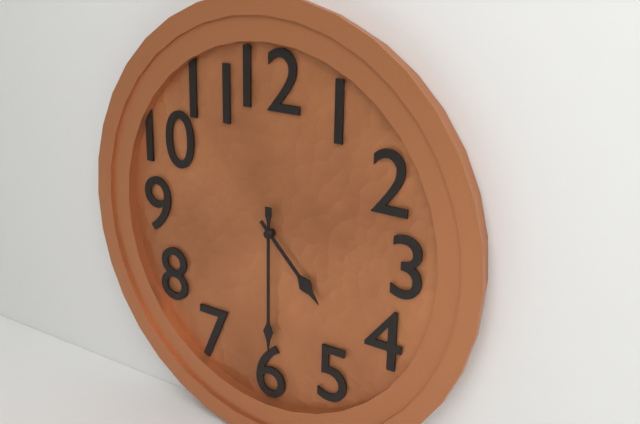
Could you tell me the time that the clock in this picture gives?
4:30
